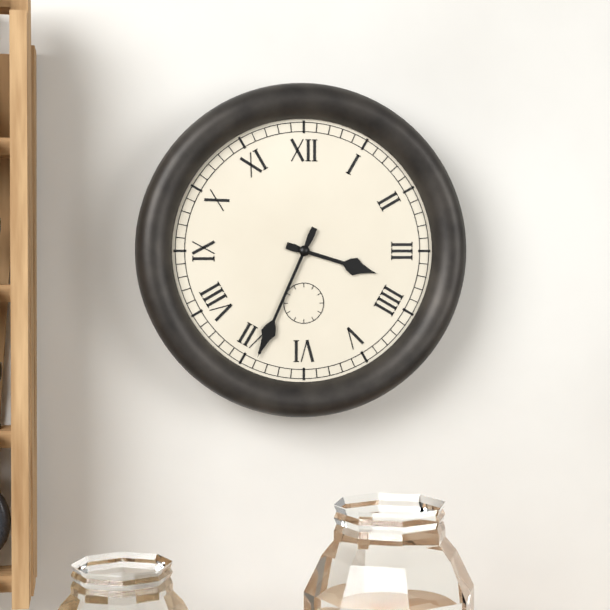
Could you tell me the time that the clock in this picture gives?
3:34
